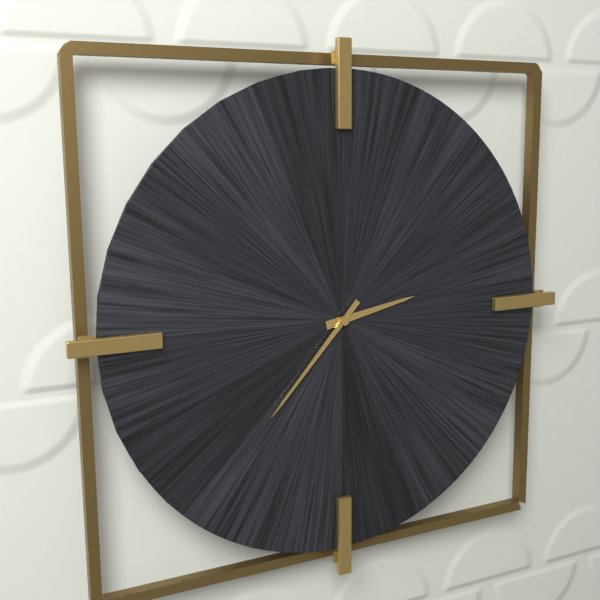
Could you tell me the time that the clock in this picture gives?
2:37
